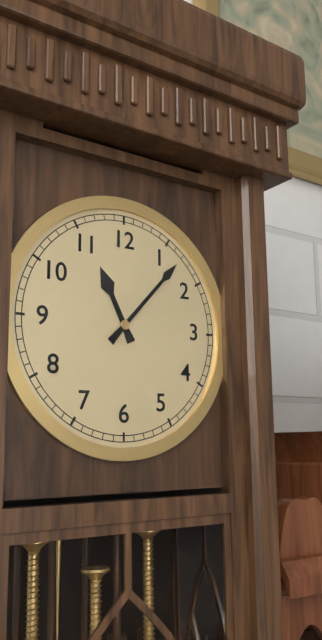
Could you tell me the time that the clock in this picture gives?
11:07
